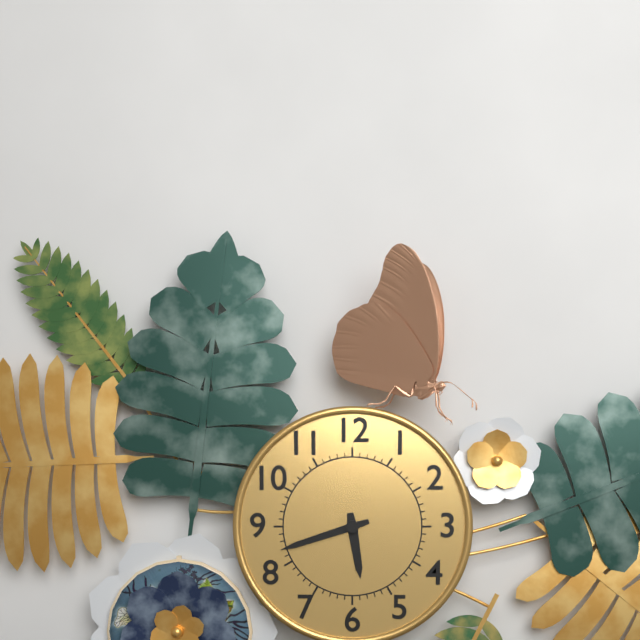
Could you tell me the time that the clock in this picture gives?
5:42
